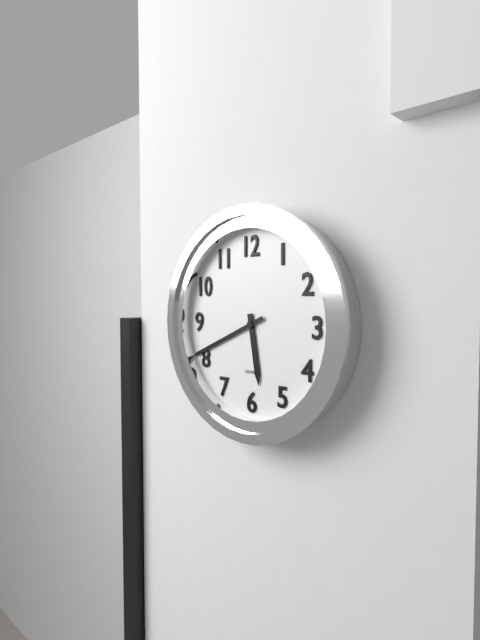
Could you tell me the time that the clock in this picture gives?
5:41
